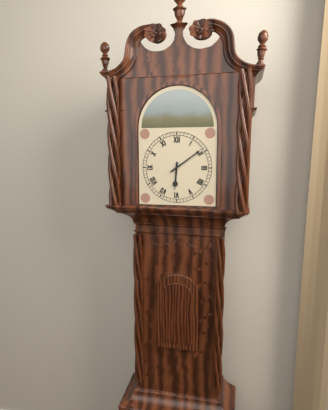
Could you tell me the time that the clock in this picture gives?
6:09
